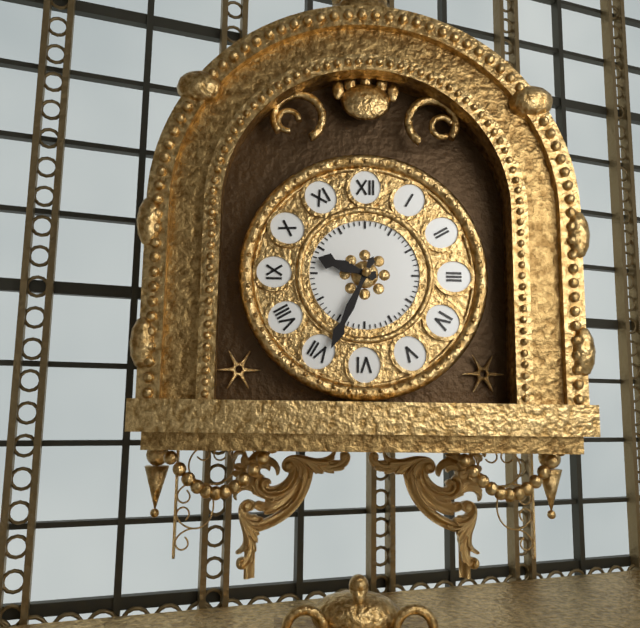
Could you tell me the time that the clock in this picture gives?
9:34
